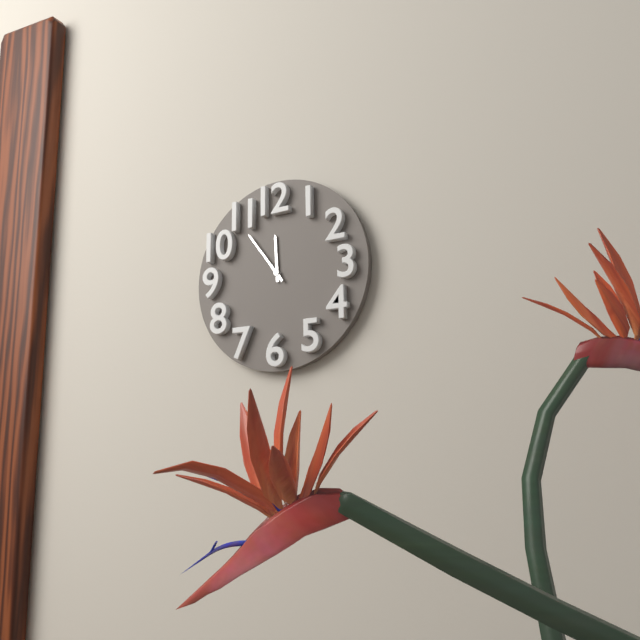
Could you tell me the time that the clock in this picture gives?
11:54
